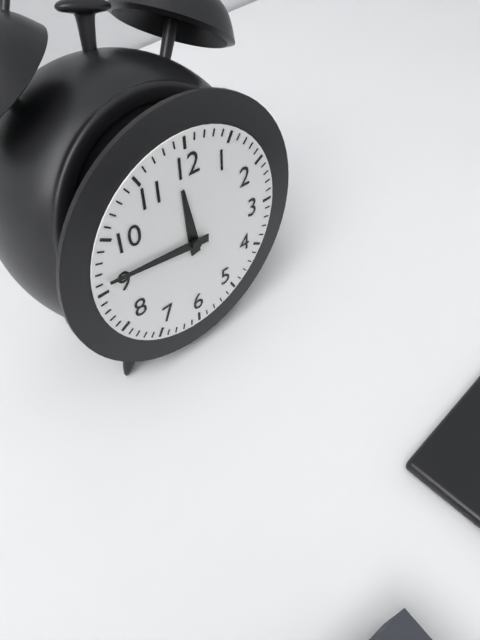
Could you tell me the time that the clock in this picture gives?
11:46
